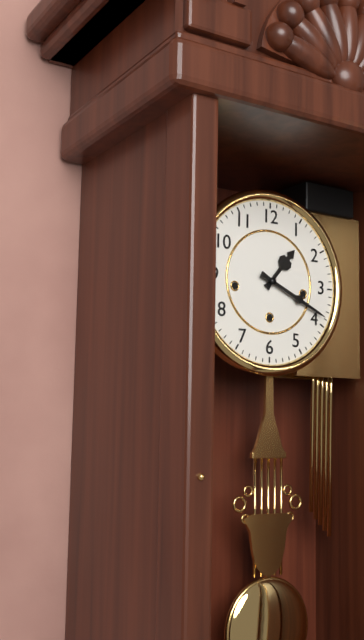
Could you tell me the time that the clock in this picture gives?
1:19
